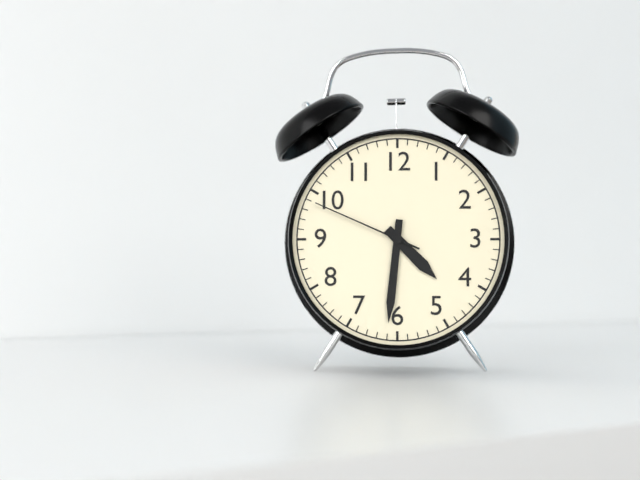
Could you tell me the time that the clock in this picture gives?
4:31:49
